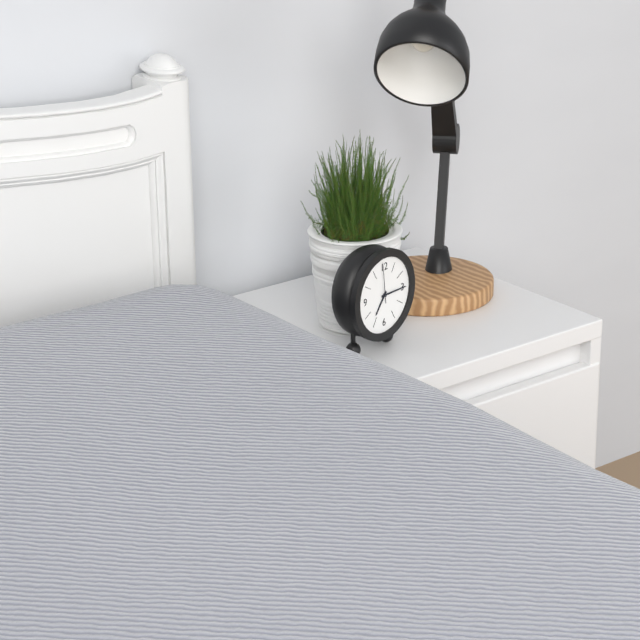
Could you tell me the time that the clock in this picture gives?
7:15
